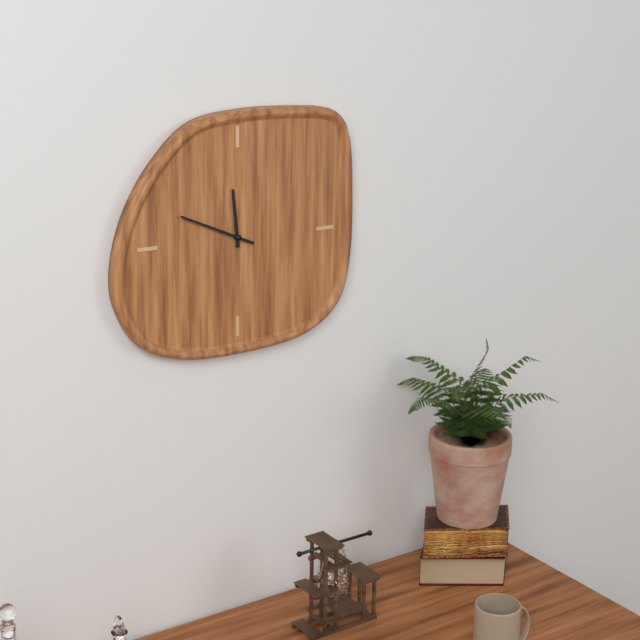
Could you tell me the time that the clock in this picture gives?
11:49
